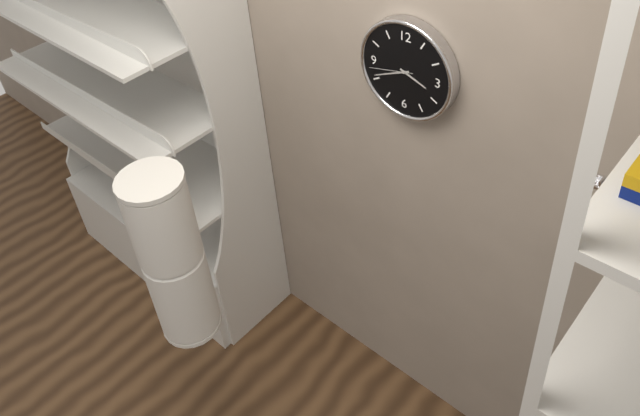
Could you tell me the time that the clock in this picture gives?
3:41
